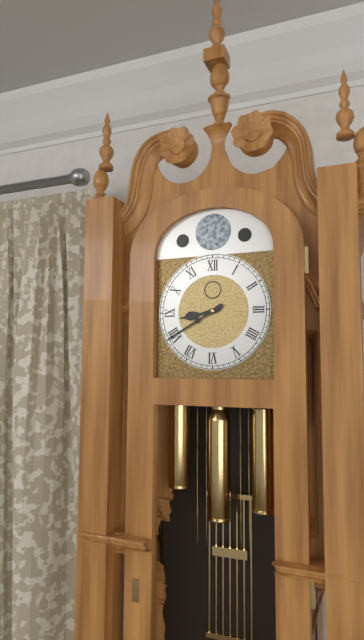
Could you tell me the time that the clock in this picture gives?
8:40
